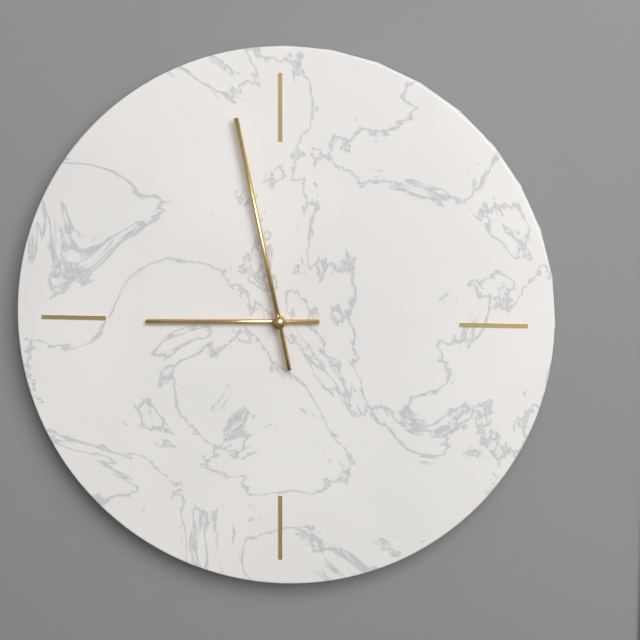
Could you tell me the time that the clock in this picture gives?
8:58
